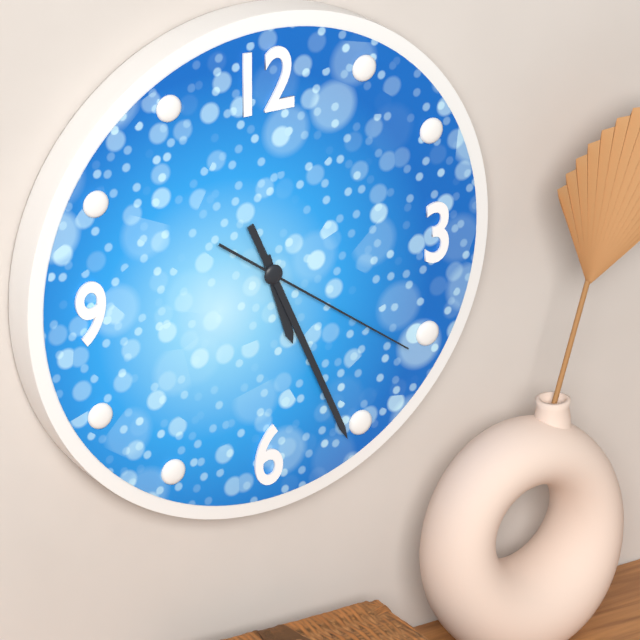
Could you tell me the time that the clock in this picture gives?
5:26:21
